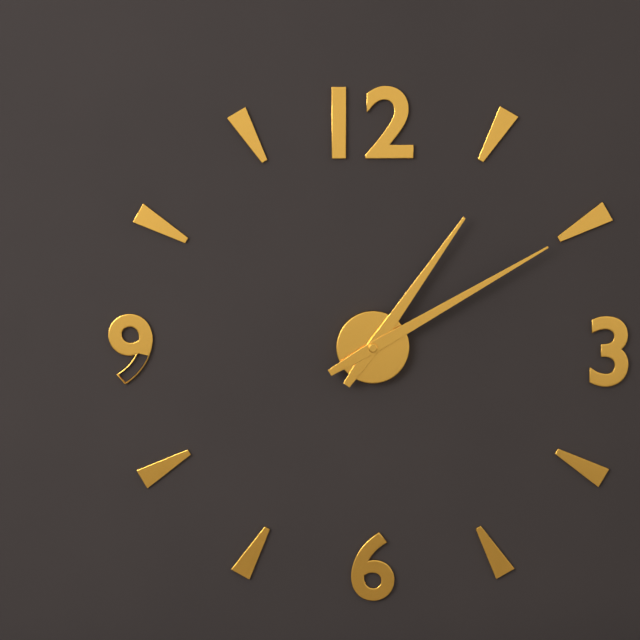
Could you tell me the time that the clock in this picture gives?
1:10
